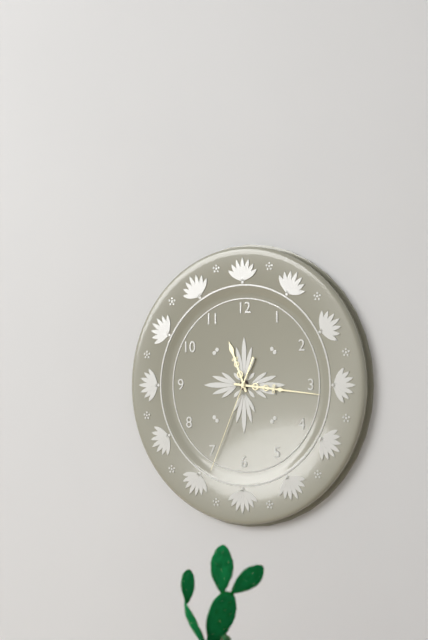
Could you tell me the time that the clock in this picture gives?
11:16:34
